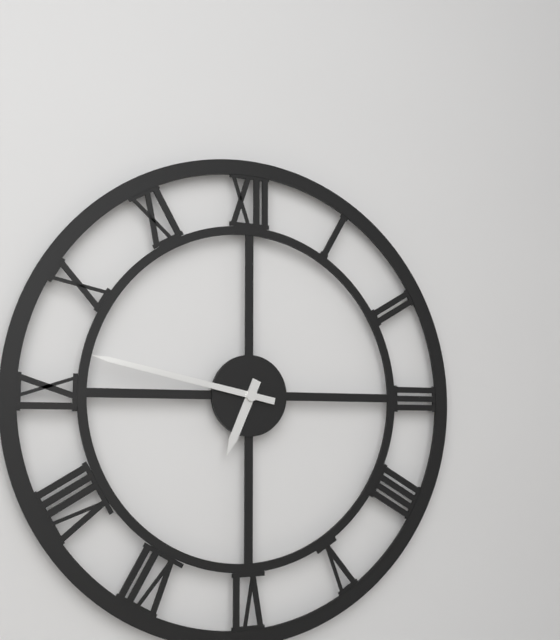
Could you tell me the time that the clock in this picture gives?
6:47
